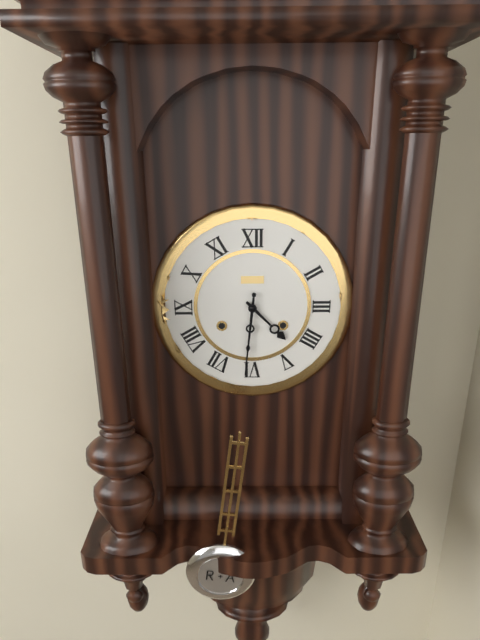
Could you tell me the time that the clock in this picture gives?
4:31
